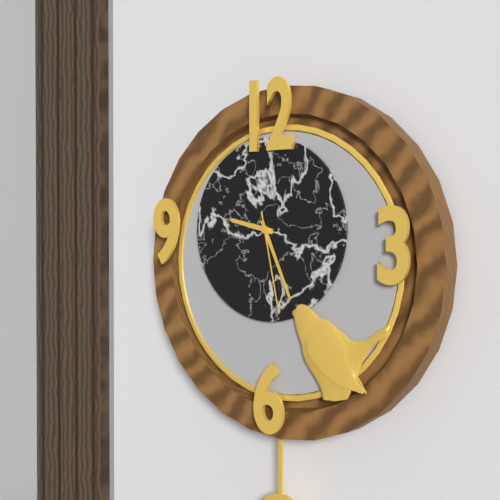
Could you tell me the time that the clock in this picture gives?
9:26:28
